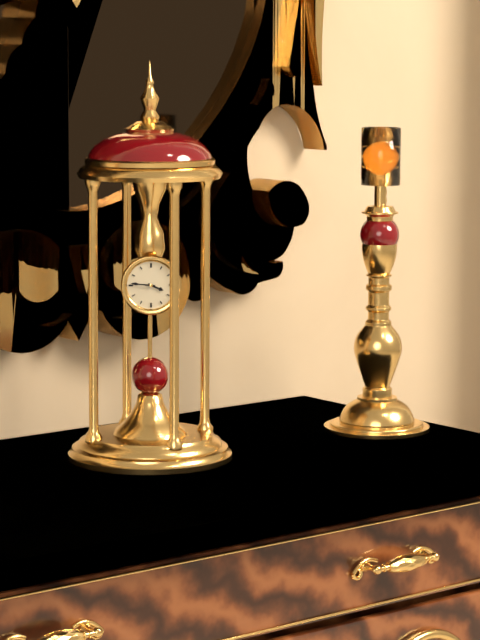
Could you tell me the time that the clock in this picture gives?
3:46
